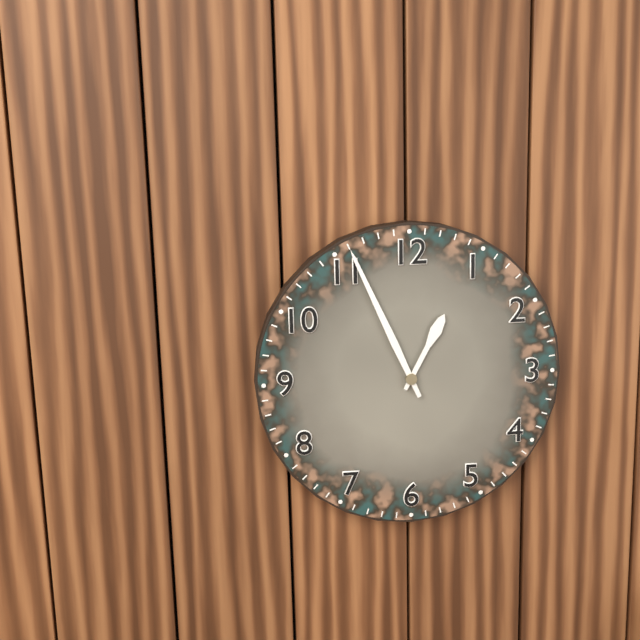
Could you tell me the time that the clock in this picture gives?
12:56
